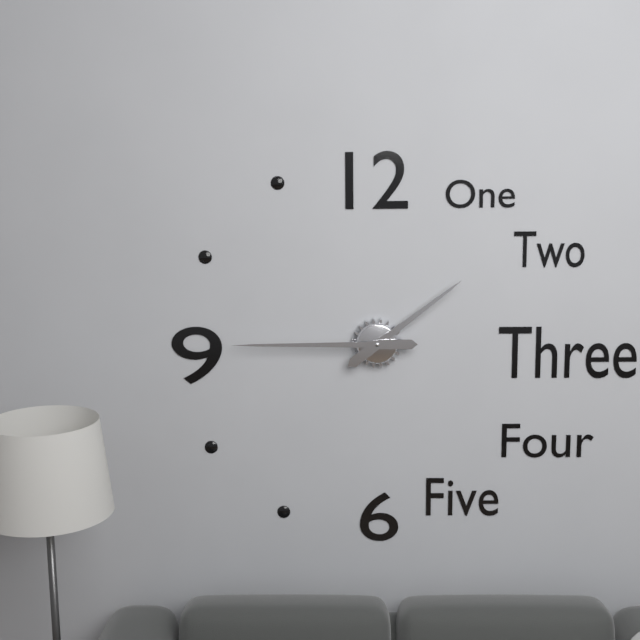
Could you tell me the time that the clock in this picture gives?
1:45
